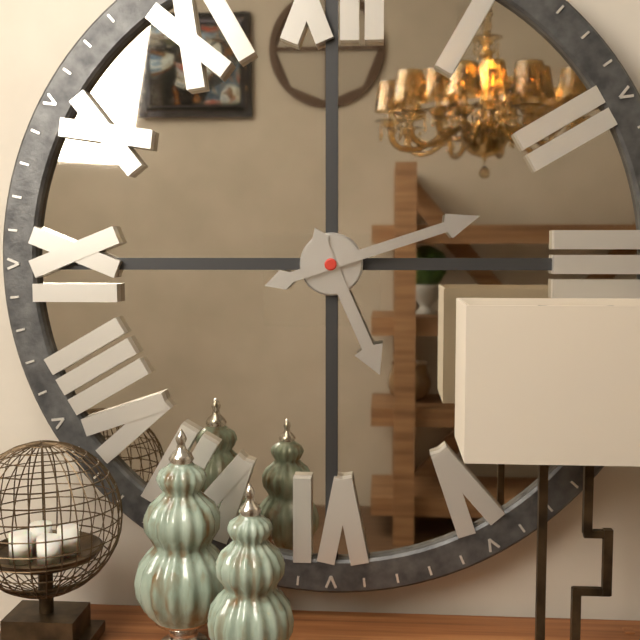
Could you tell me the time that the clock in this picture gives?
5:12
